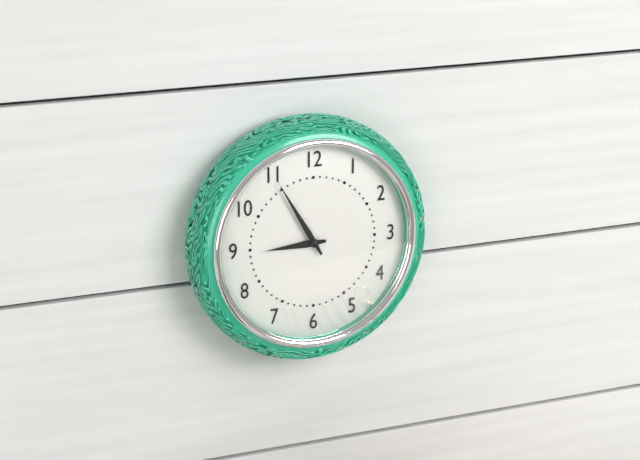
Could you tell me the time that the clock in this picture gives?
8:55
